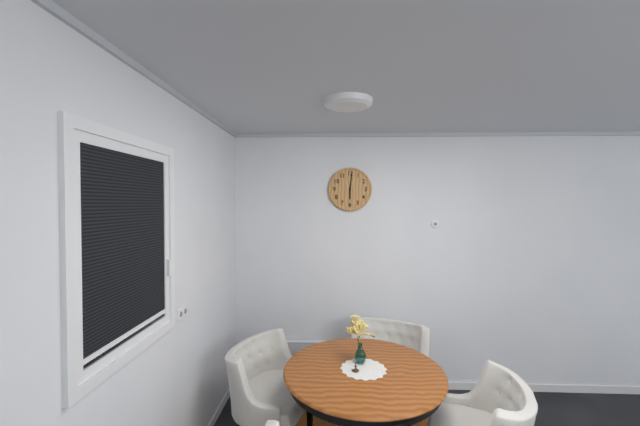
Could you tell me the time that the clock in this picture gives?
6:01
